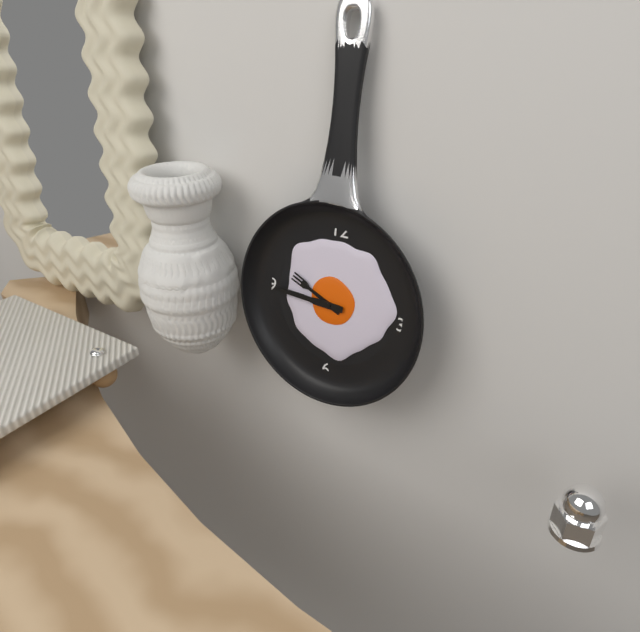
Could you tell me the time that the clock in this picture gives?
9:45
